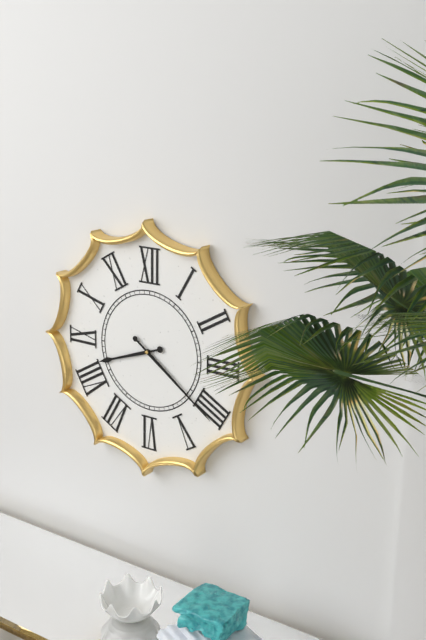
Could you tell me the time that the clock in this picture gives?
8:21
